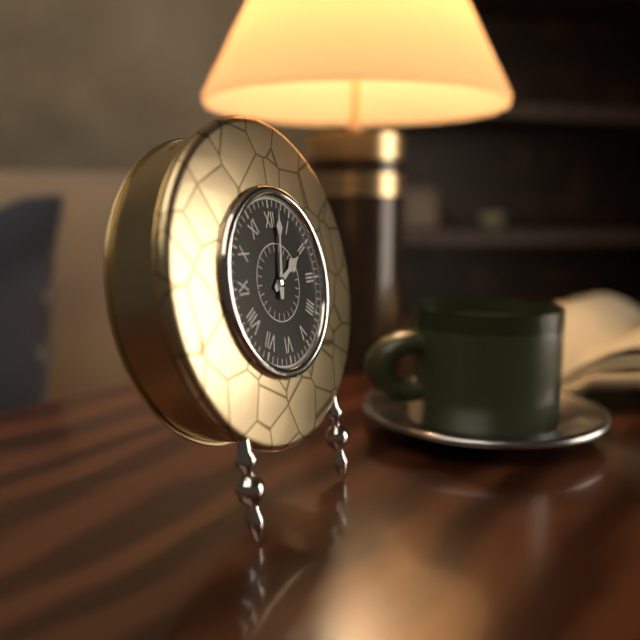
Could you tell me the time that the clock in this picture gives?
2:02
